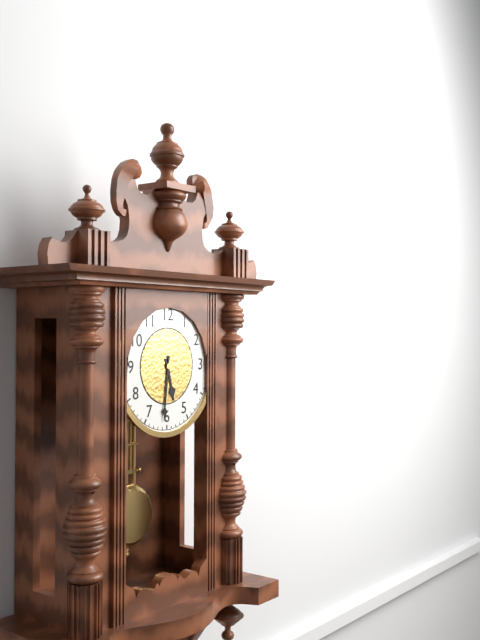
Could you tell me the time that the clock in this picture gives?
5:31
